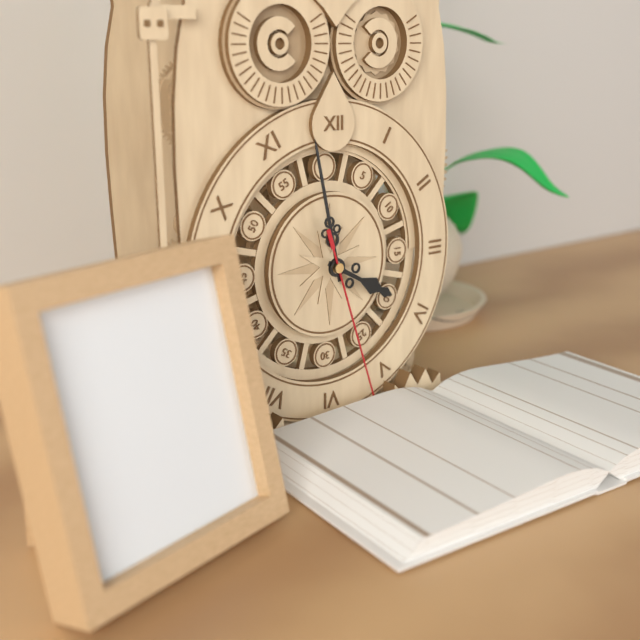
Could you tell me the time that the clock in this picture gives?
3:58:27
